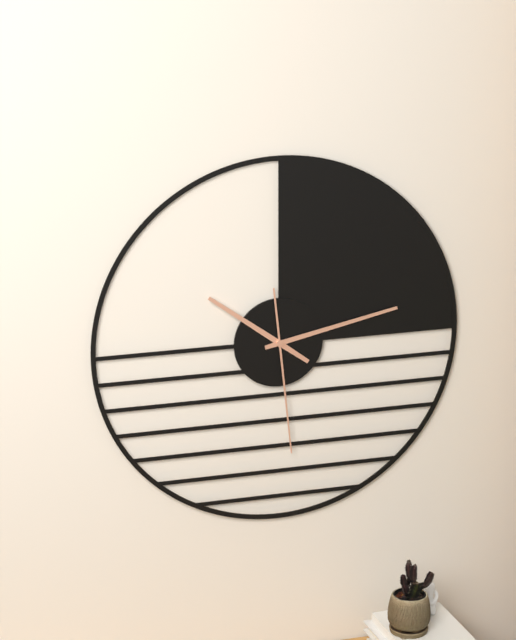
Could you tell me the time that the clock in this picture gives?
10:13:29
